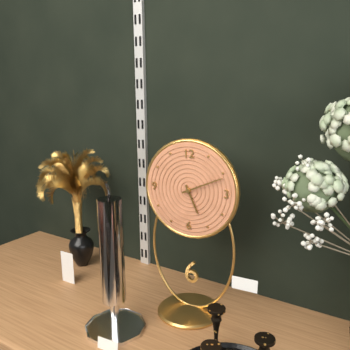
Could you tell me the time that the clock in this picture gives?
5:11
